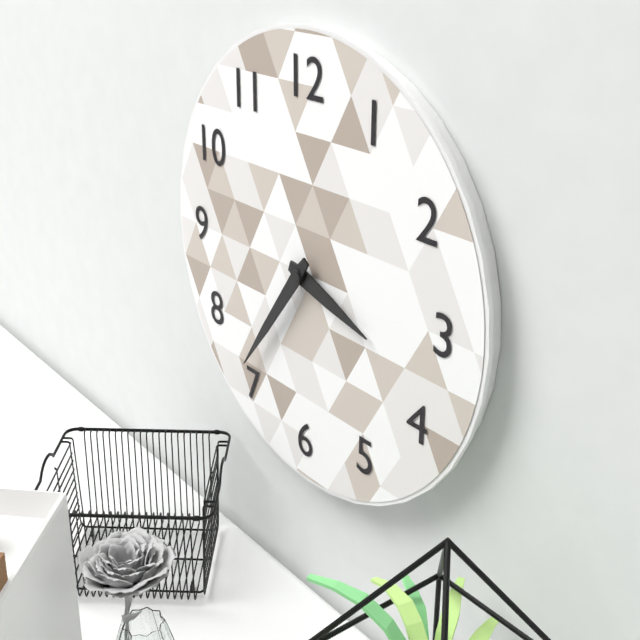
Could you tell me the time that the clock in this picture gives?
3:36
